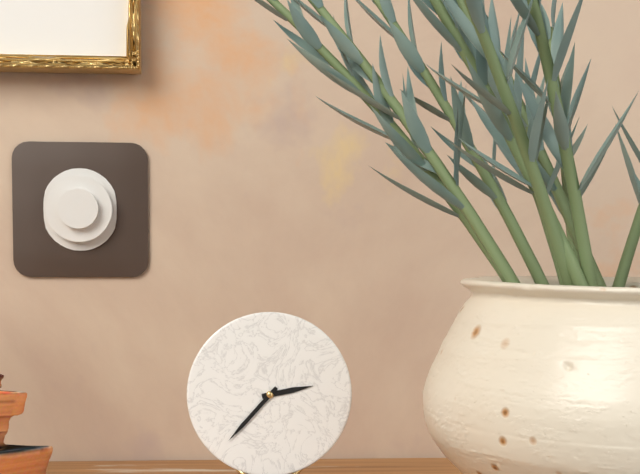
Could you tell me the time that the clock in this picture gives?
2:37
